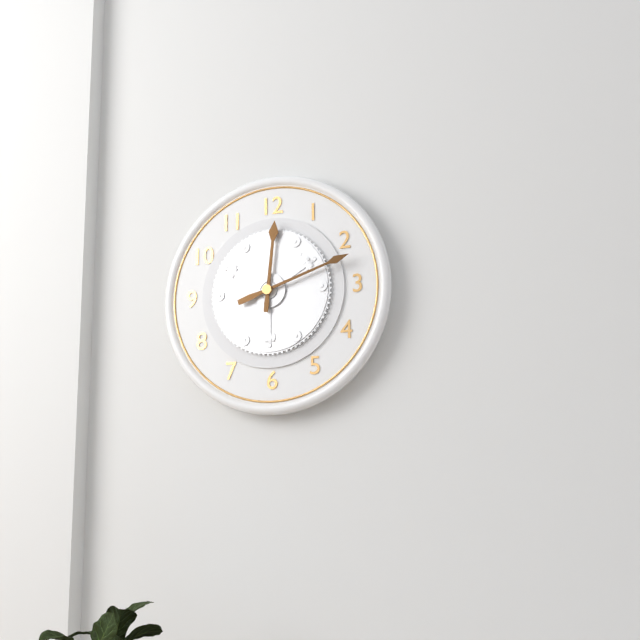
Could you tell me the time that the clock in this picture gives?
12:12
